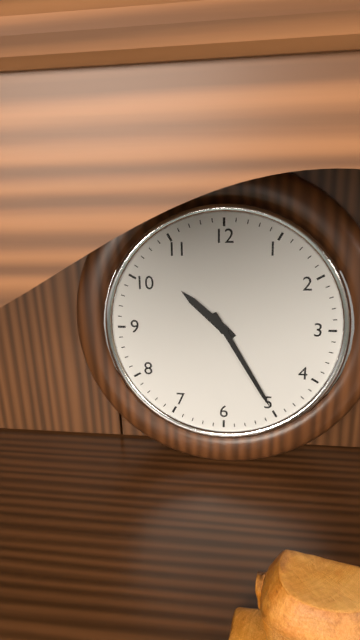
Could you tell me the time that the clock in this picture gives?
10:25
